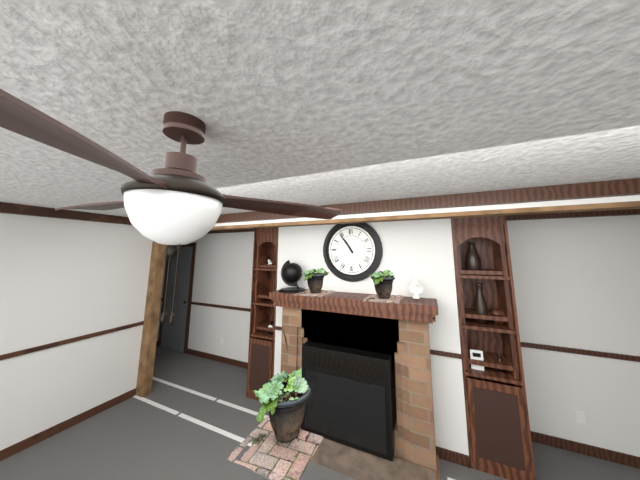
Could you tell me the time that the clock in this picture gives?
10:54
